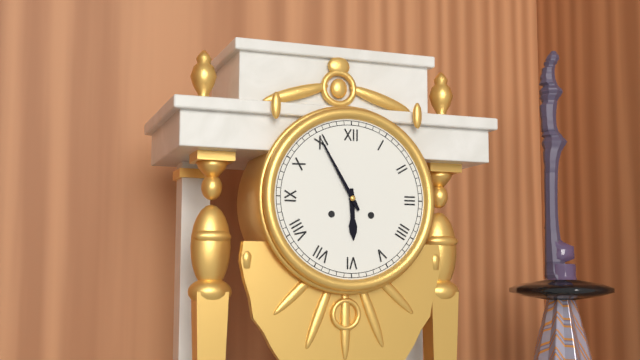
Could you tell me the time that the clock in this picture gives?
5:55
